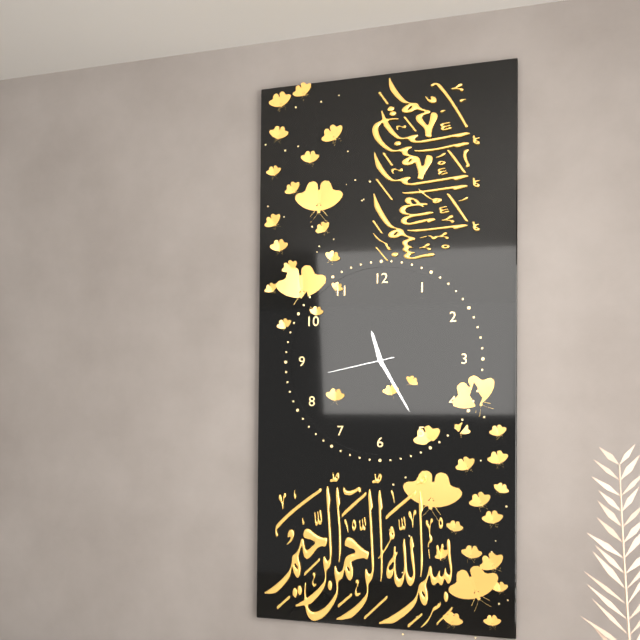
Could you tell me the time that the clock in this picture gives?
11:25:43
